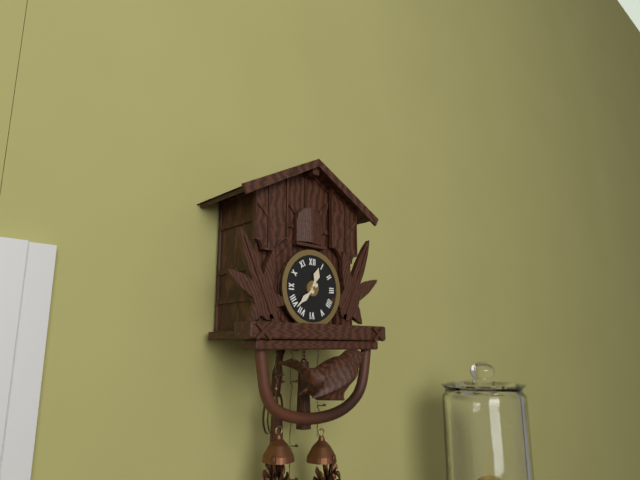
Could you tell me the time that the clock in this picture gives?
12:38
